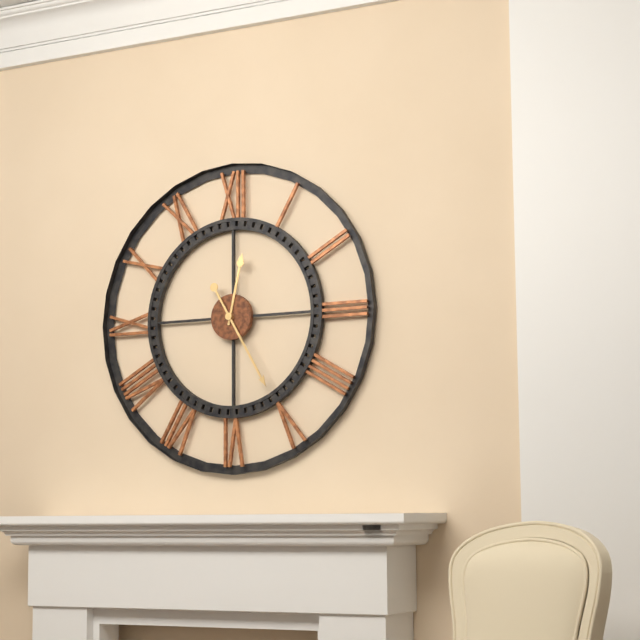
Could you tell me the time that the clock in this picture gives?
12:25
